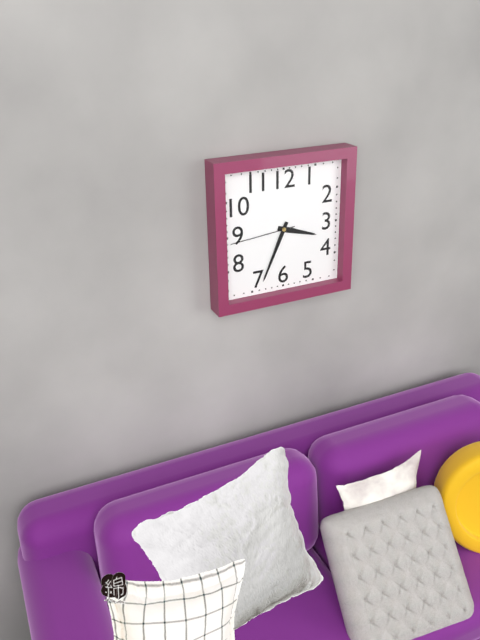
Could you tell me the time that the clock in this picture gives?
3:34:44
